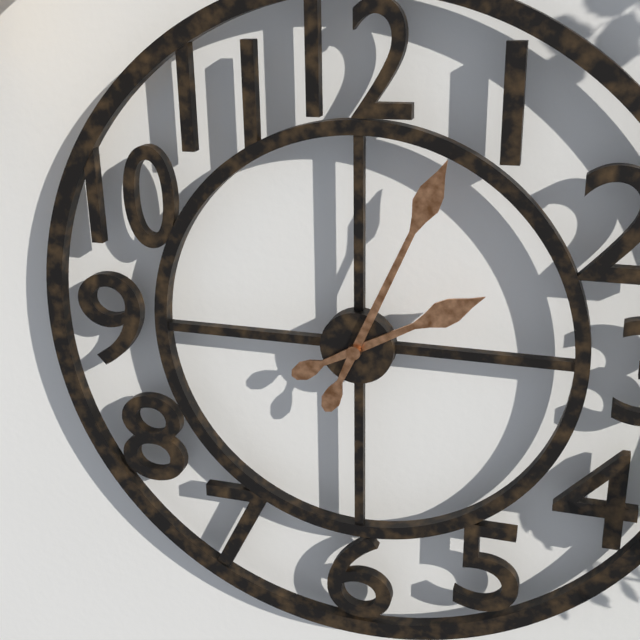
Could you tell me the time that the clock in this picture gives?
2:04
